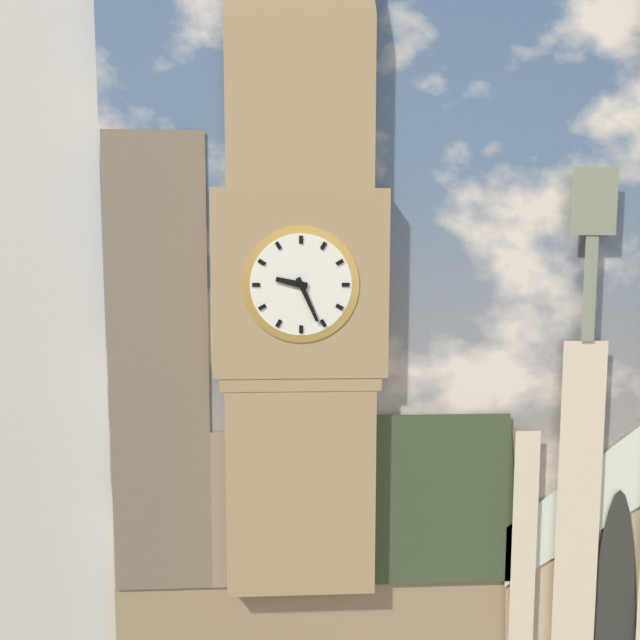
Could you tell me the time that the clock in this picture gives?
9:26
